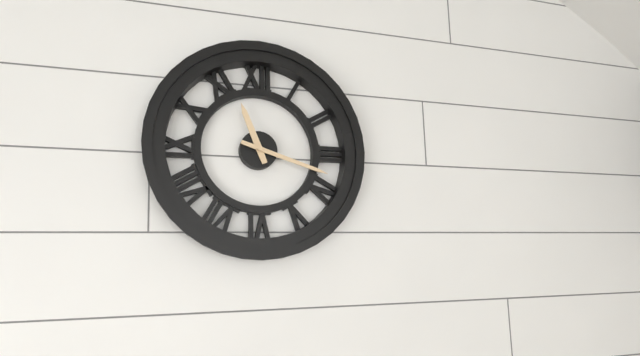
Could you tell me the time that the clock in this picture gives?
11:18
